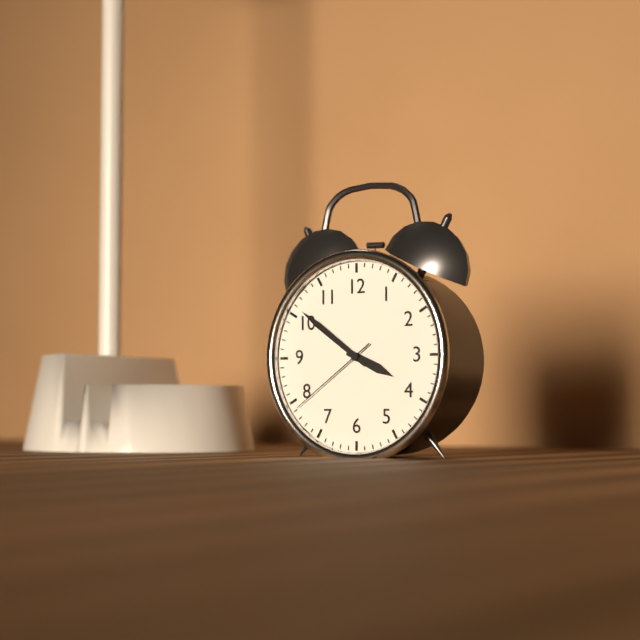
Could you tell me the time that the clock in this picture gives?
3:51:39
